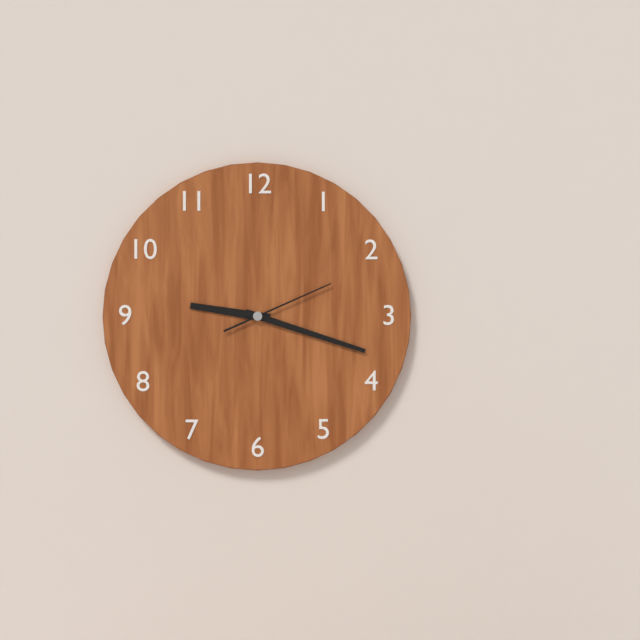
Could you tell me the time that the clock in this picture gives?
9:18:11
